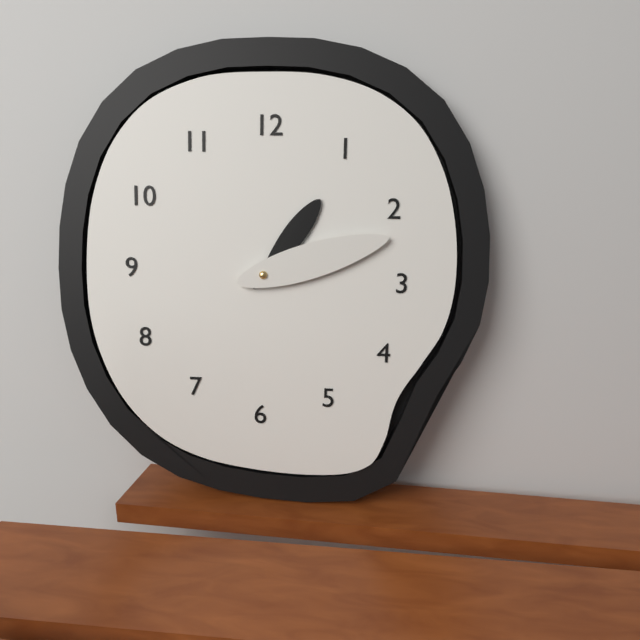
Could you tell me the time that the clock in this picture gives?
1:12
